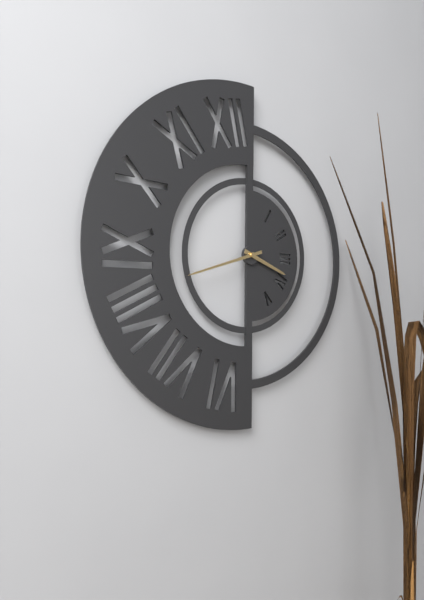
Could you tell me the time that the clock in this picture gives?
3:42
